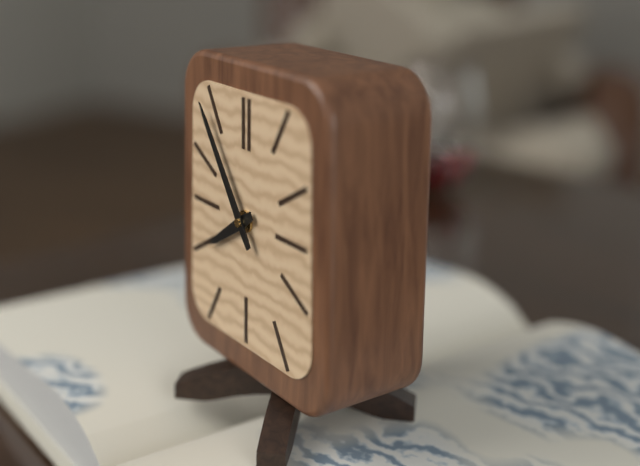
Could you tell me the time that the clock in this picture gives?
7:54
